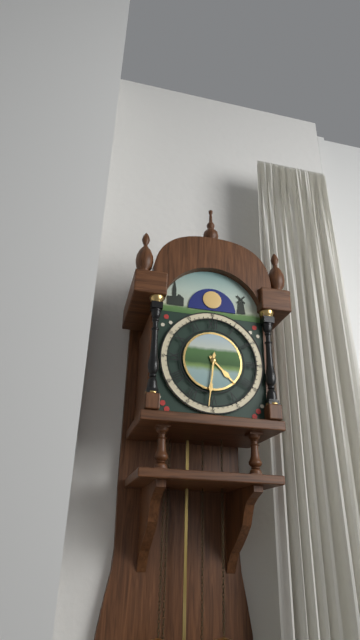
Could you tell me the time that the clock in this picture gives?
4:31
